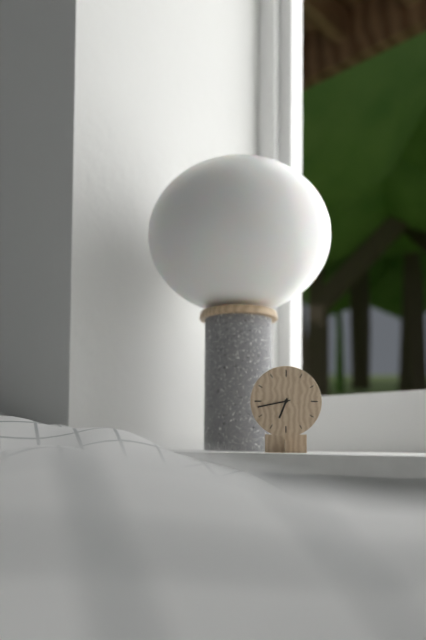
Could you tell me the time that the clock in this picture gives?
6:43
